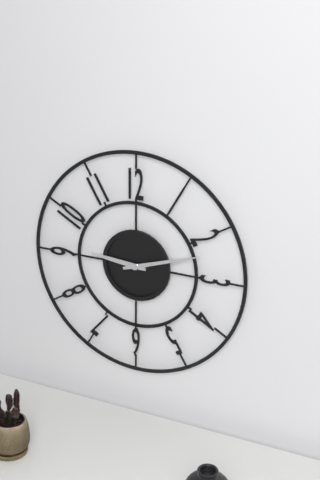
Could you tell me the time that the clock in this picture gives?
9:12
